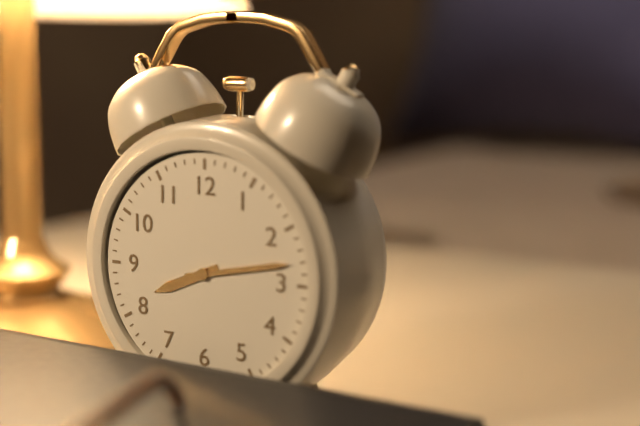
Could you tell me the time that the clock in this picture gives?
8:13
